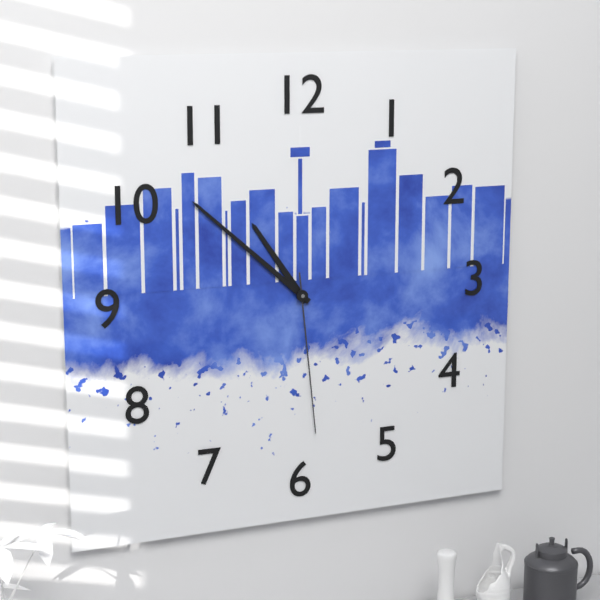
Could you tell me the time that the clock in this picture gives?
10:52:29
